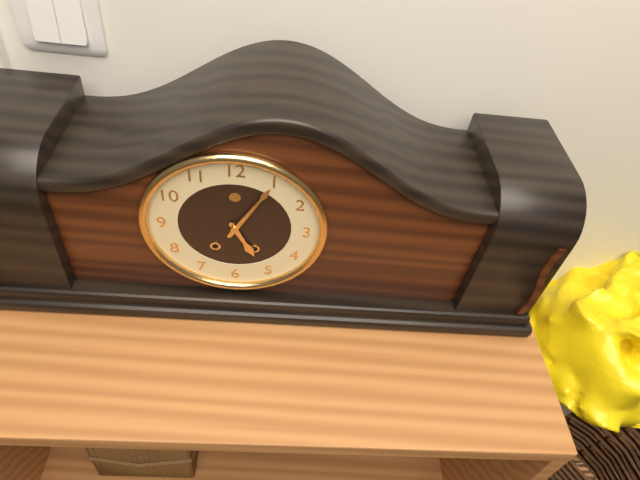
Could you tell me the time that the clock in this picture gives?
5:05
